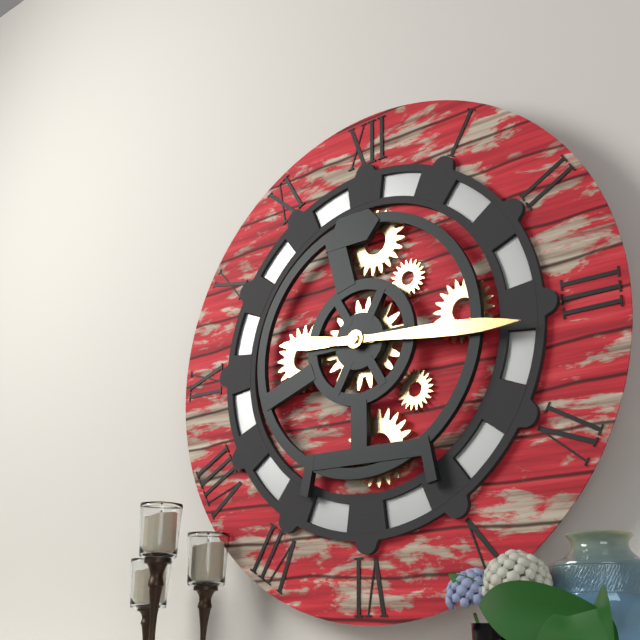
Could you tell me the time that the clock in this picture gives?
9:16
